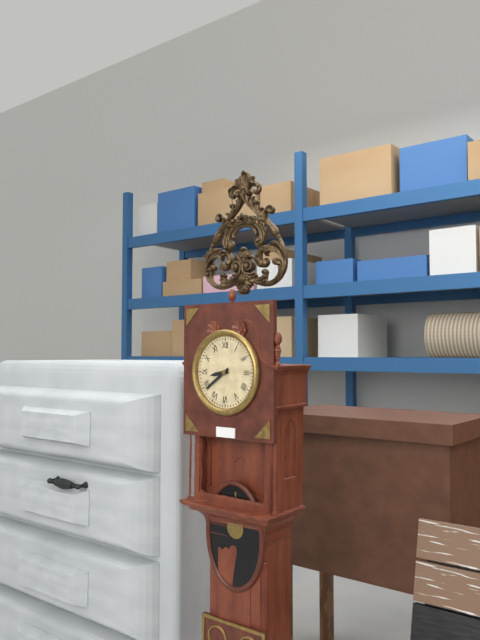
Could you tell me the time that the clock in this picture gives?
8:39
